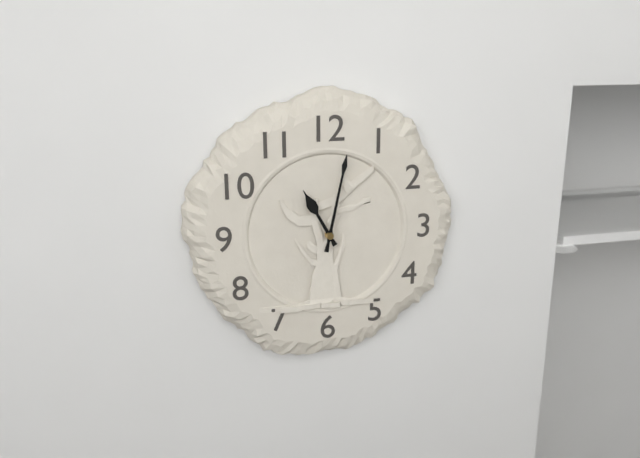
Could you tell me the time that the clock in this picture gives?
11:02
